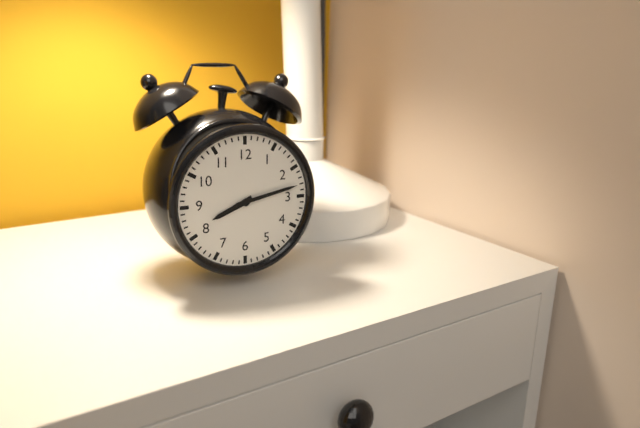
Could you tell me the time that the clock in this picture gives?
8:13
